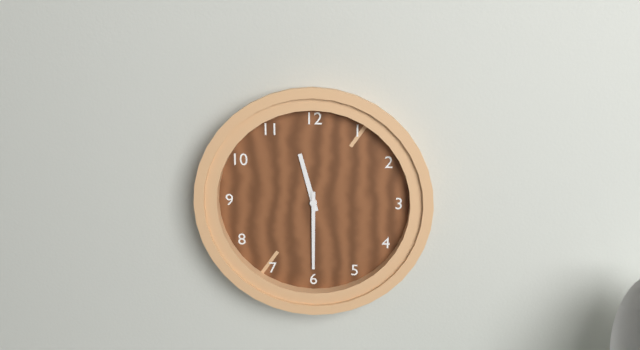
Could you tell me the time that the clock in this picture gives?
11:30
